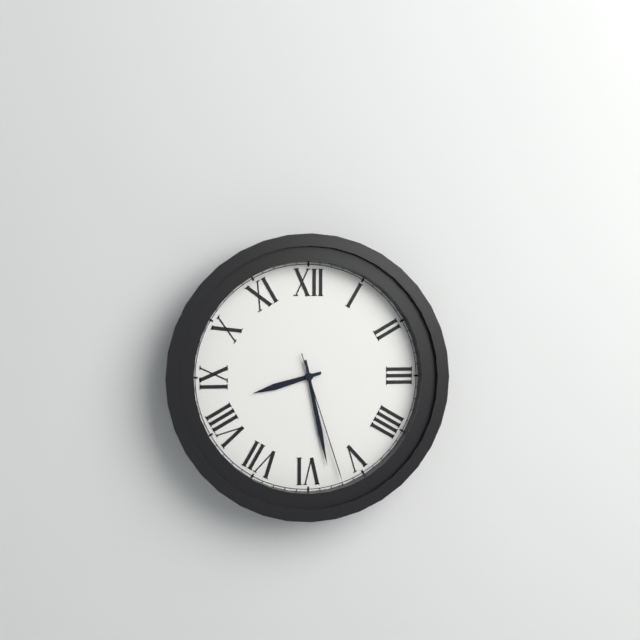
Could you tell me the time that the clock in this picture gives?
8:28:27
